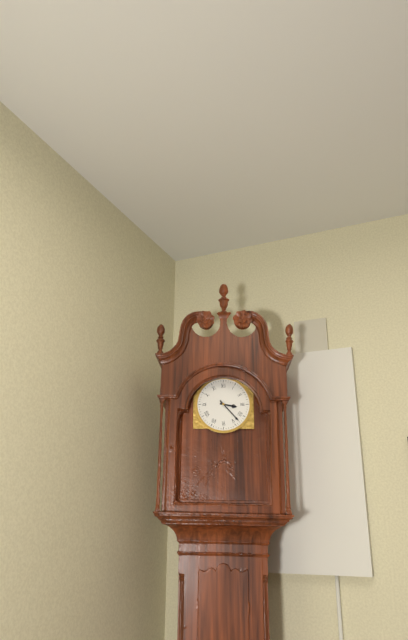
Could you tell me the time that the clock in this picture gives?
3:23
